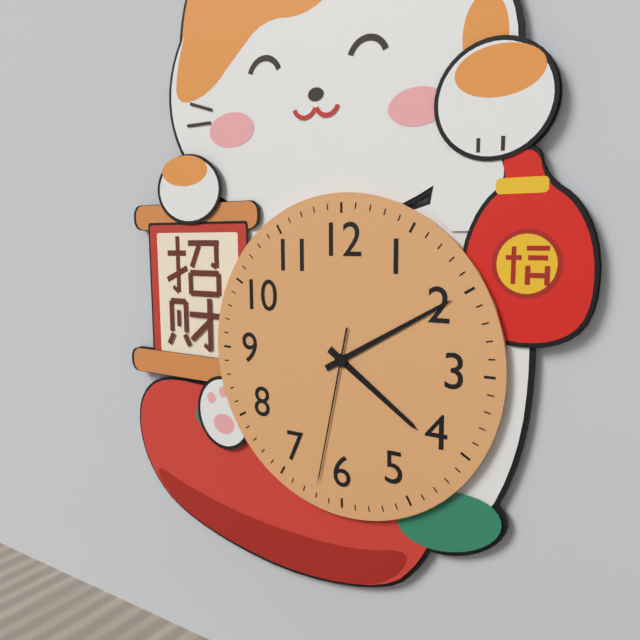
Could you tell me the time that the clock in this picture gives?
4:10:32
